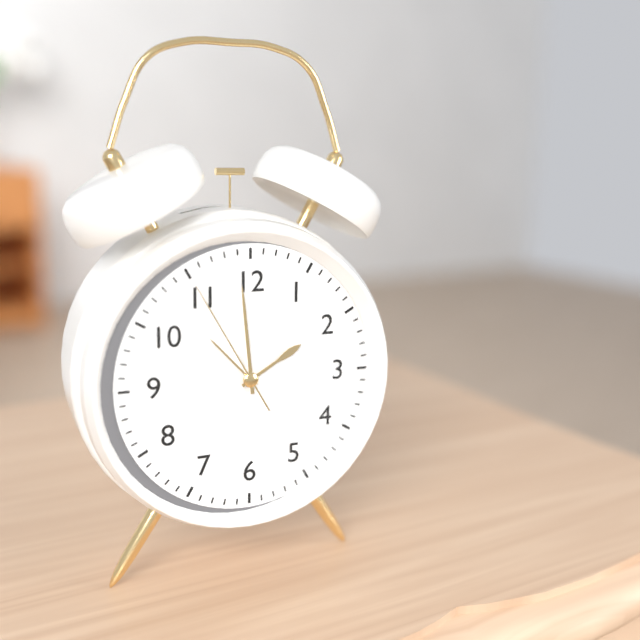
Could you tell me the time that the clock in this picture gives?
1:59:55
